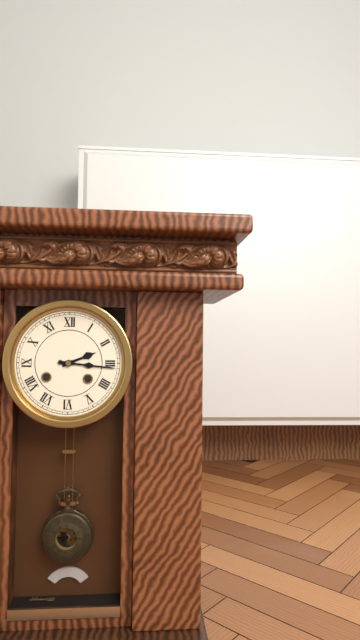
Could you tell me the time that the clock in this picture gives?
2:16
